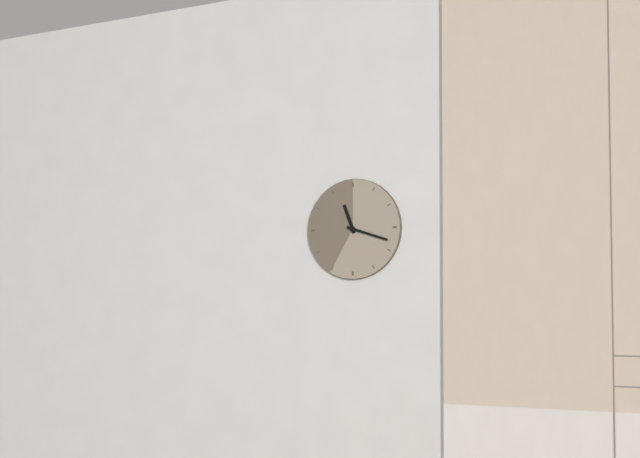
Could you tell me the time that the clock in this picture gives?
11:18
